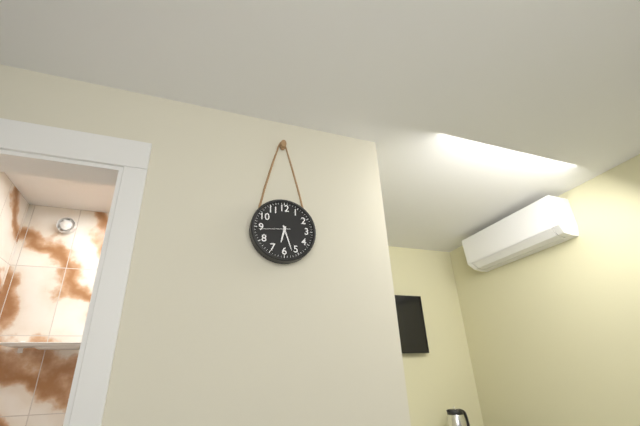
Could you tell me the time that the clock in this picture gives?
6:27
